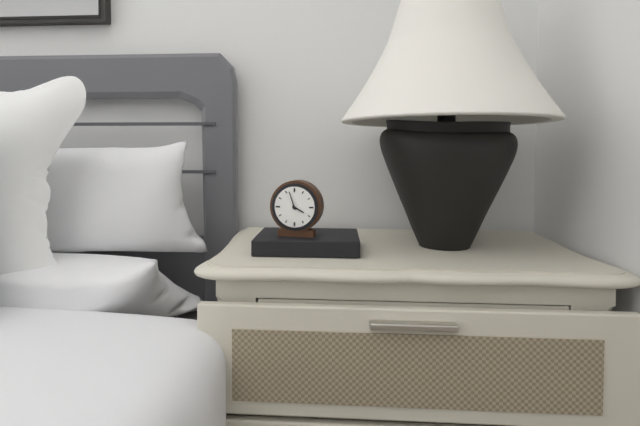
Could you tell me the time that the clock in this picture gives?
3:57
